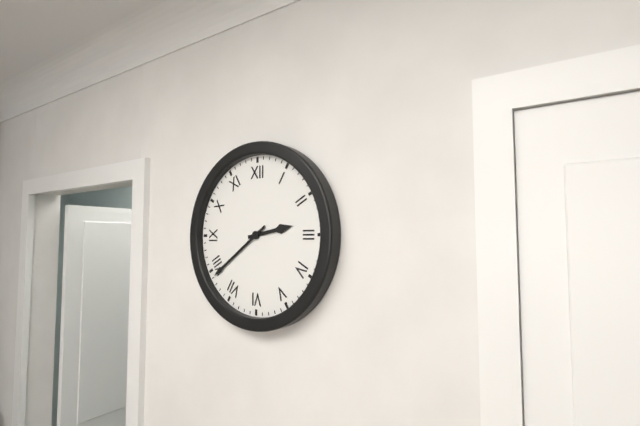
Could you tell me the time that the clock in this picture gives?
2:39
